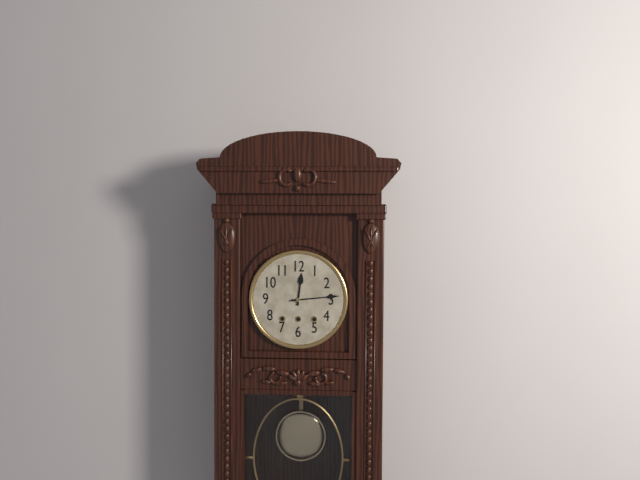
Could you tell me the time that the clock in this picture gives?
12:14
